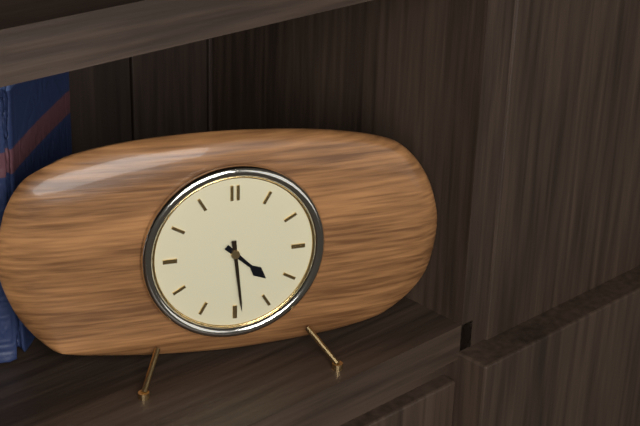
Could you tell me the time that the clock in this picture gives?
4:29
